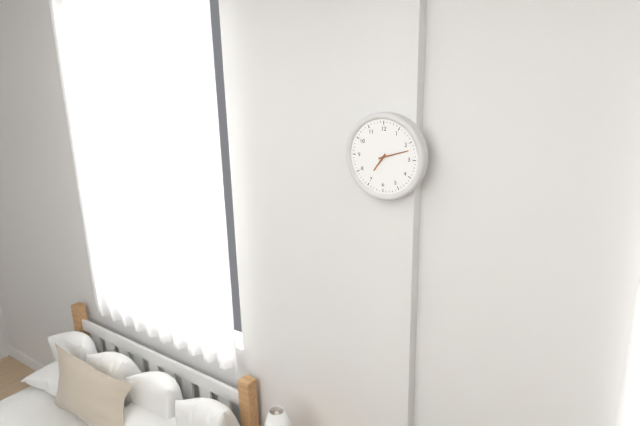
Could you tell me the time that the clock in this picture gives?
7:12
